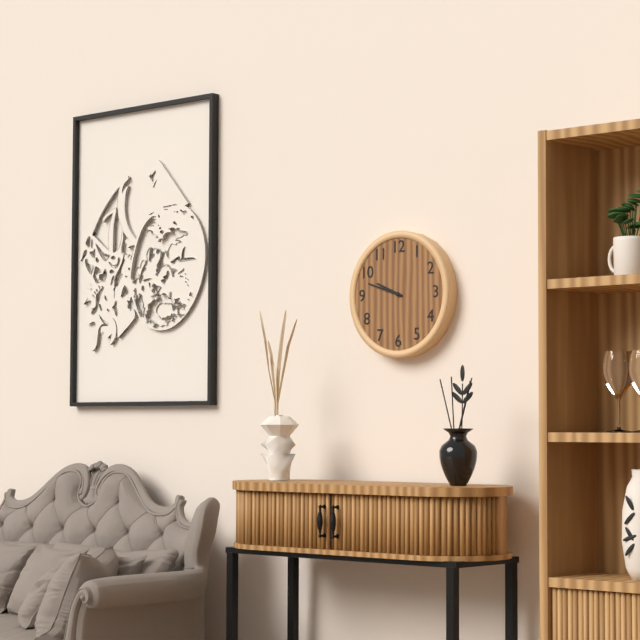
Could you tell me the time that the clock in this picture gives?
9:48
